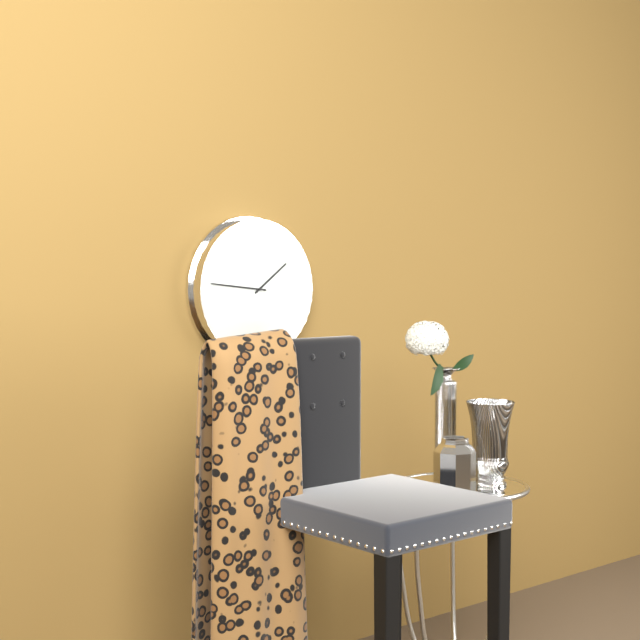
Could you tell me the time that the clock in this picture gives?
1:46
